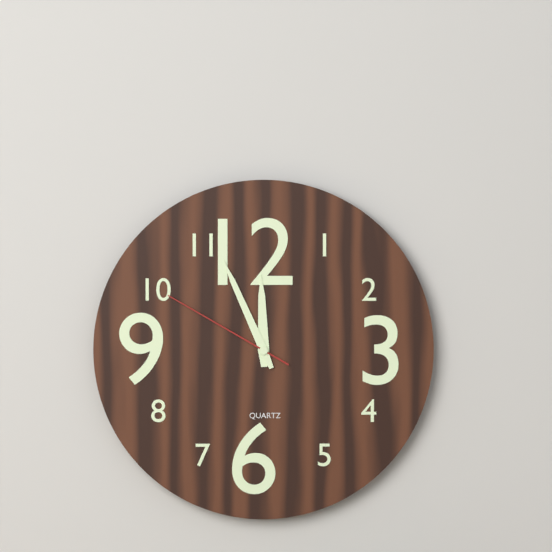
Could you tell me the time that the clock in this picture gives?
11:56:50
